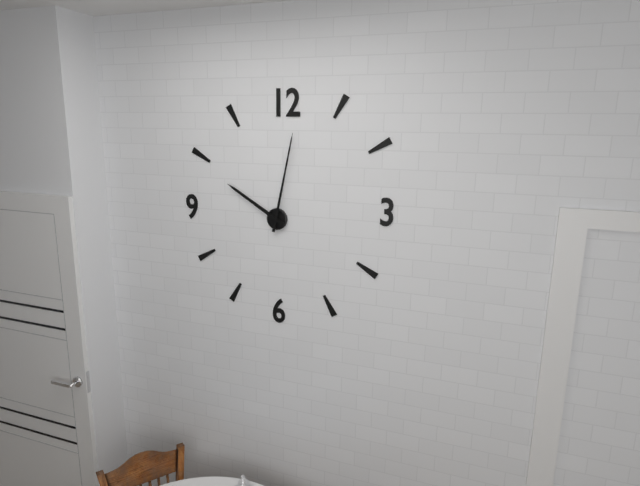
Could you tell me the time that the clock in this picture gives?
10:02
